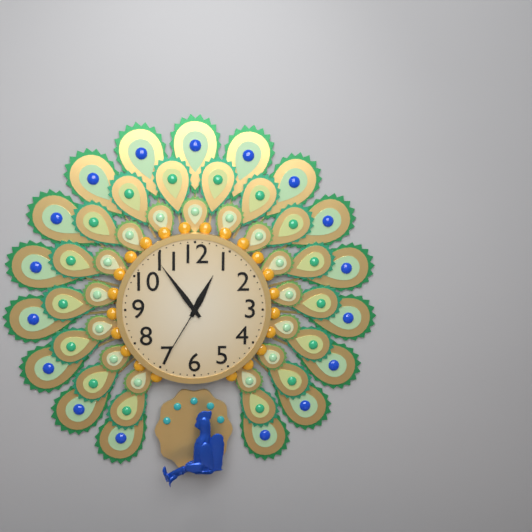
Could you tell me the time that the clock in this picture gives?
12:54:35
